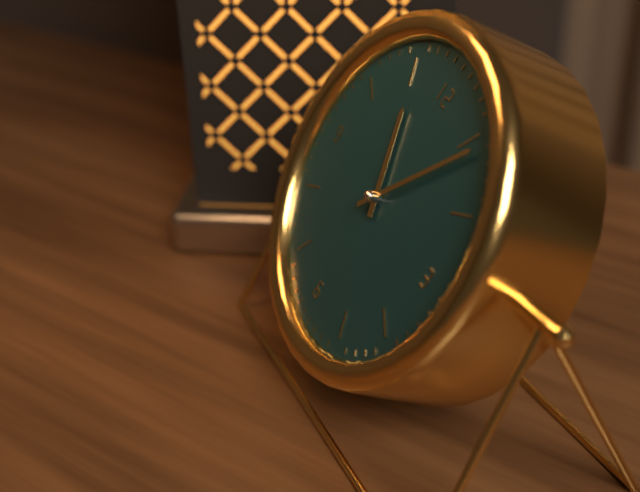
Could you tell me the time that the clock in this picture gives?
11:06
